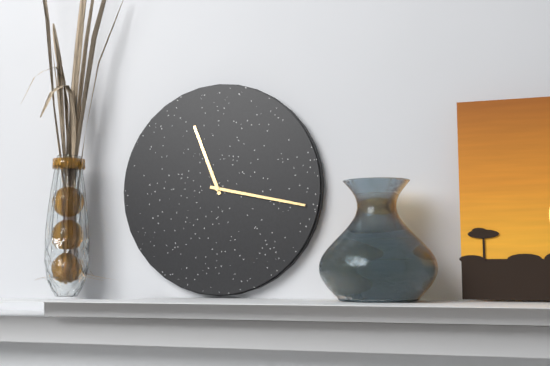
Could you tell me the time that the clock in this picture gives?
11:17
